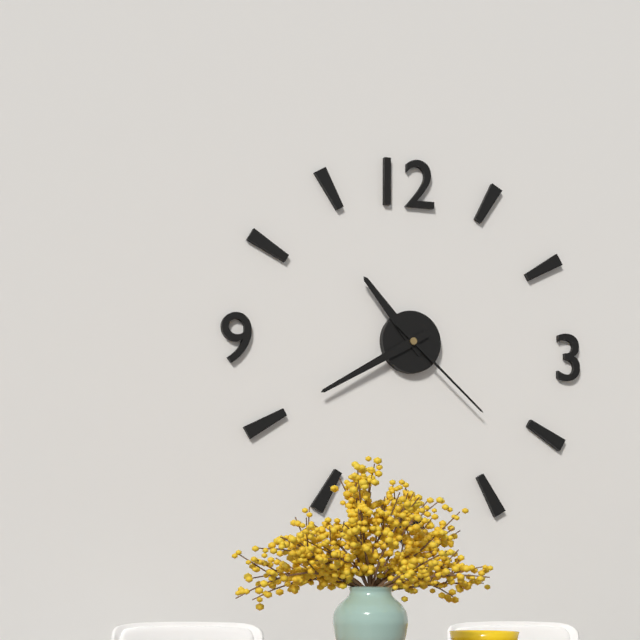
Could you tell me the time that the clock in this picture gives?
10:40:22
